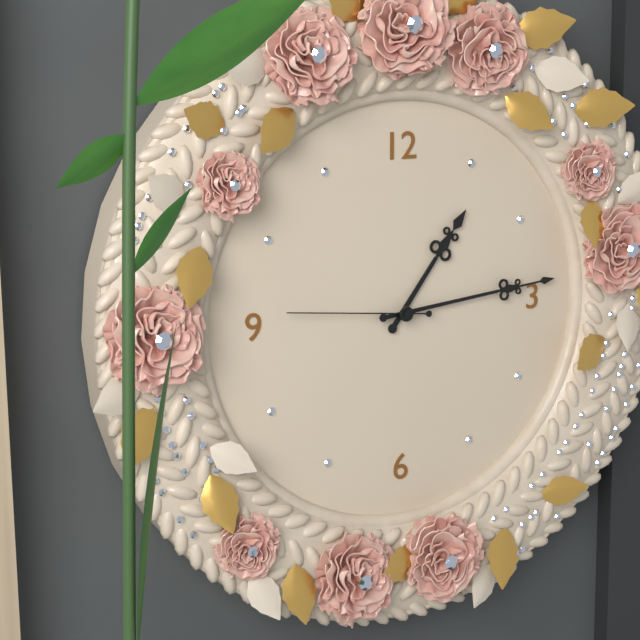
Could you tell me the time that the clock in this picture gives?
1:14:46
